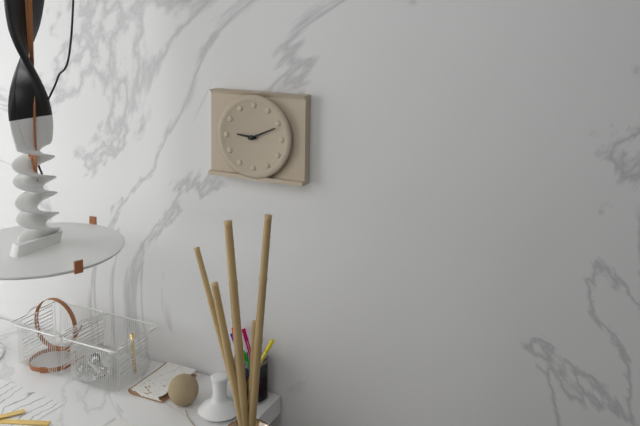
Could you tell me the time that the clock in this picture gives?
9:11
